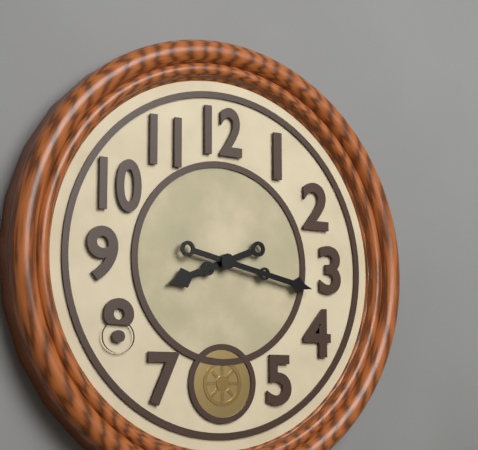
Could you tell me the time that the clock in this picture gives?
8:17
